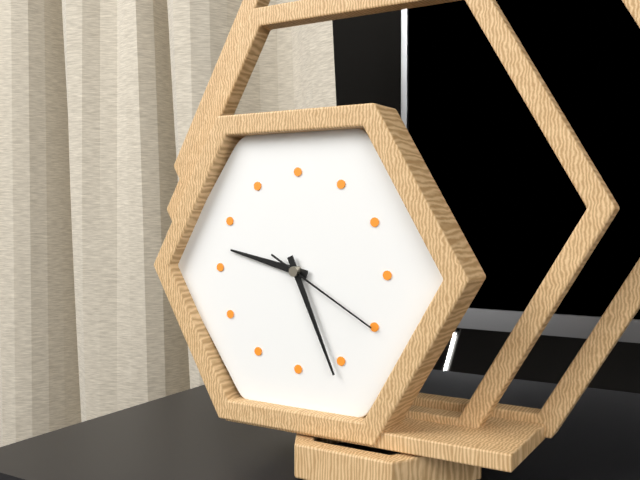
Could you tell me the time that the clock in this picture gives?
9:26:20
